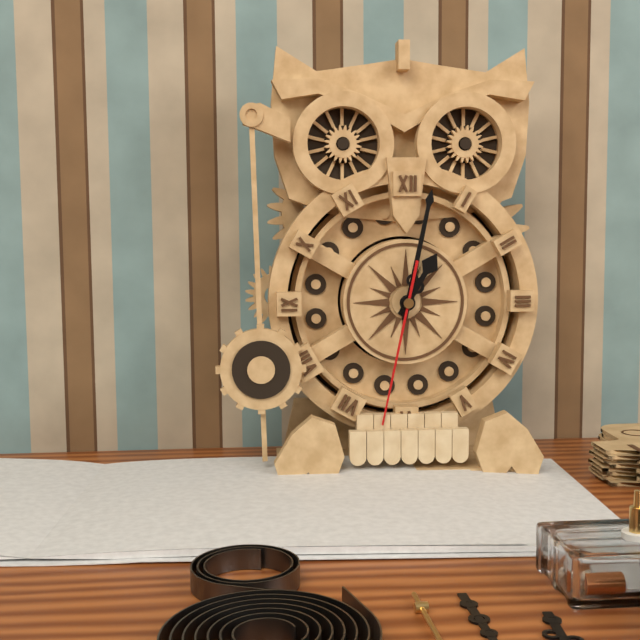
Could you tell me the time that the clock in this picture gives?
1:02:32
